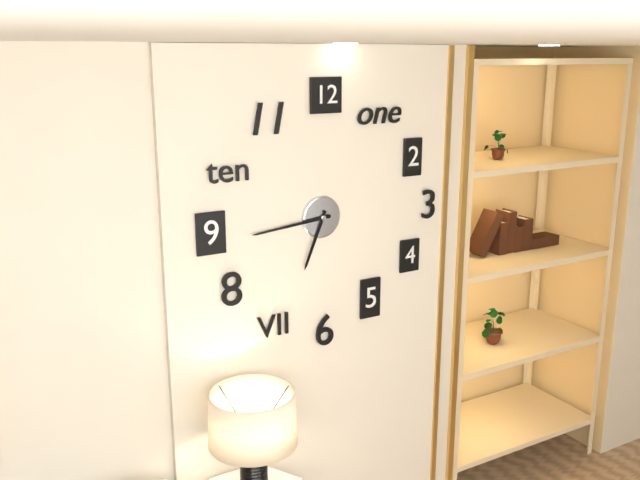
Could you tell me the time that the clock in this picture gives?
6:44
